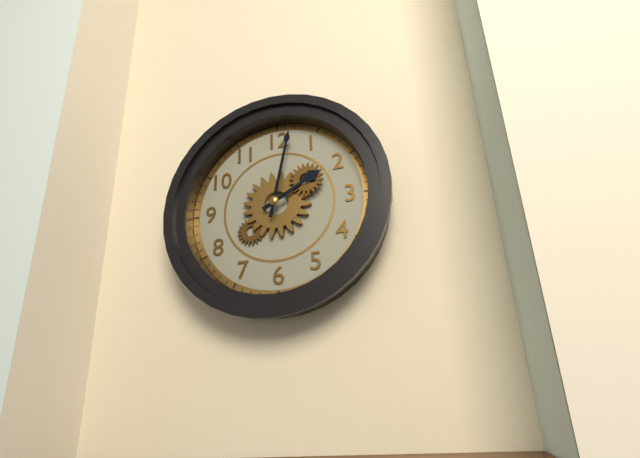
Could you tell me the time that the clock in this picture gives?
2:02
